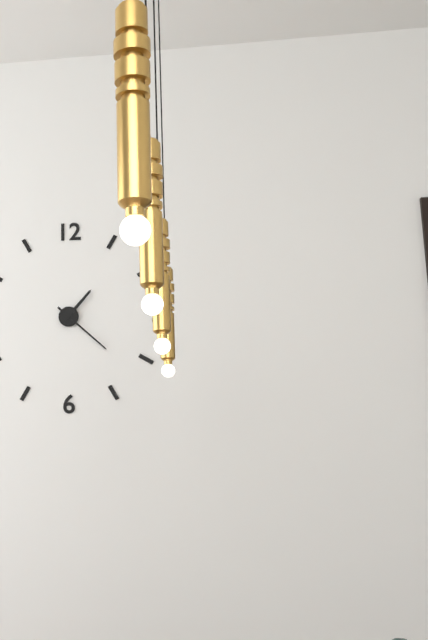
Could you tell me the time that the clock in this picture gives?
1:22
